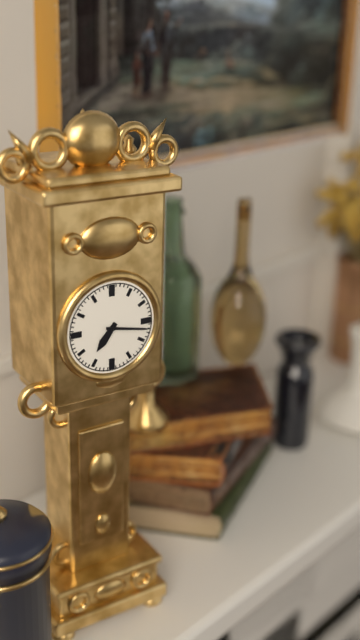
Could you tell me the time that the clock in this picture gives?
7:17
